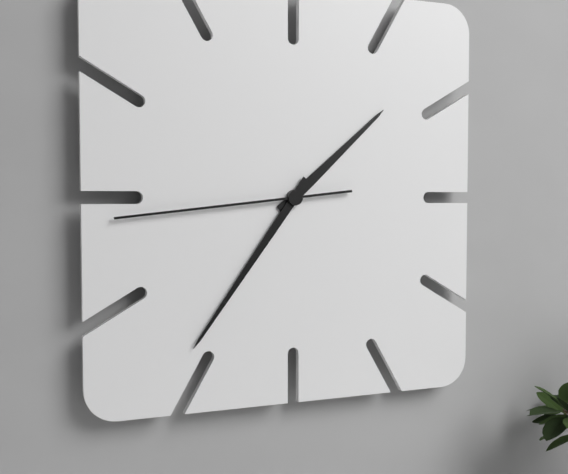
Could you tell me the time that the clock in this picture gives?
1:36:44
